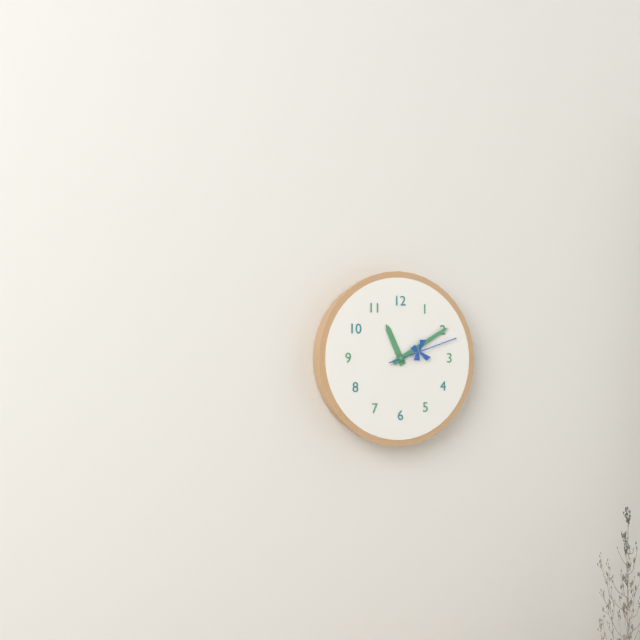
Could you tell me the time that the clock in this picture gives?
11:10:12
